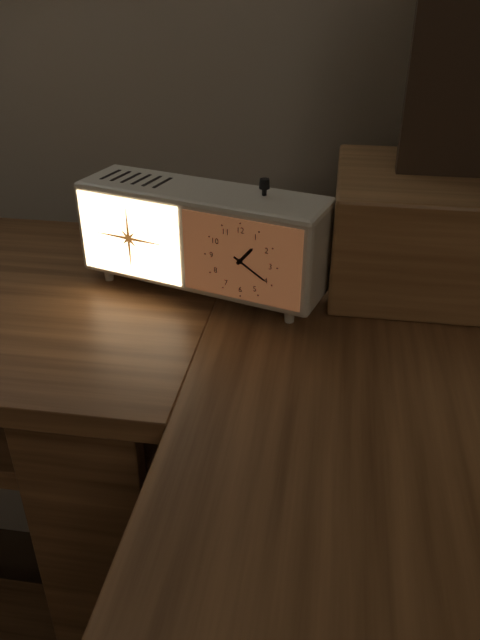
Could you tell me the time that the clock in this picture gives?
1:20
